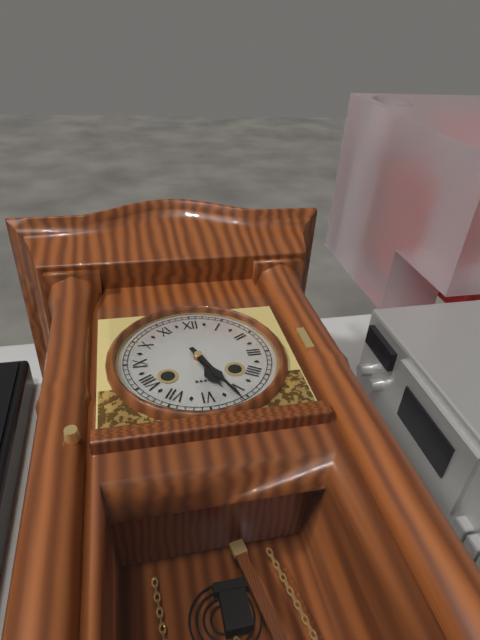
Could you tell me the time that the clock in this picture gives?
5:26
